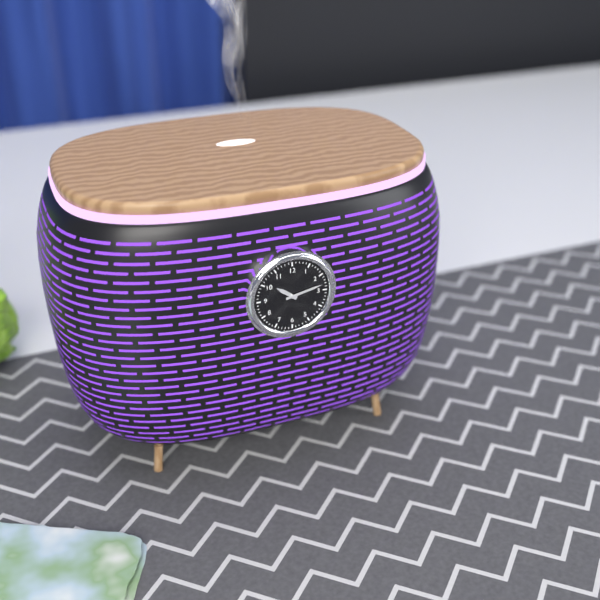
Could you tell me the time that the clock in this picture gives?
10:13
